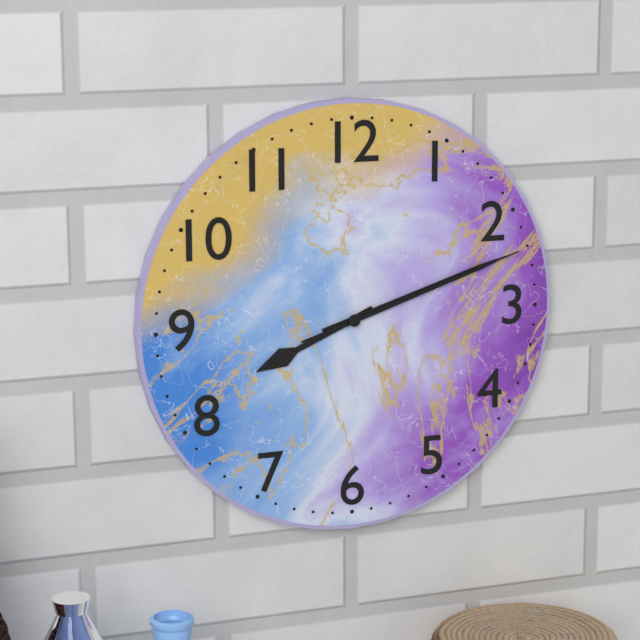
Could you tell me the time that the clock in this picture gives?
8:12:12
